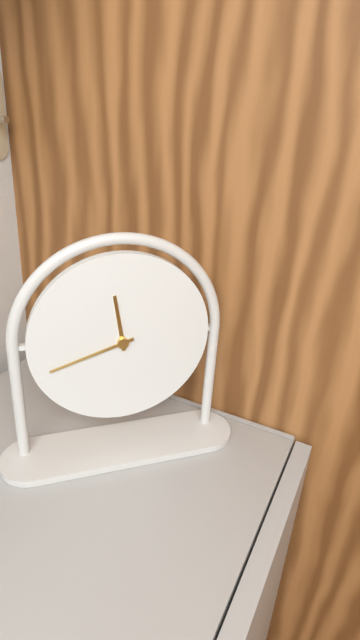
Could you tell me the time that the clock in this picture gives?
11:42
